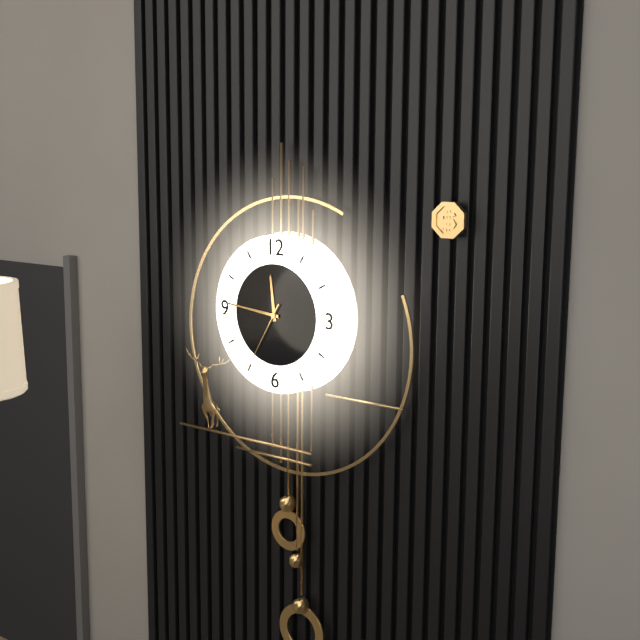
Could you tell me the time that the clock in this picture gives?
11:46:35
